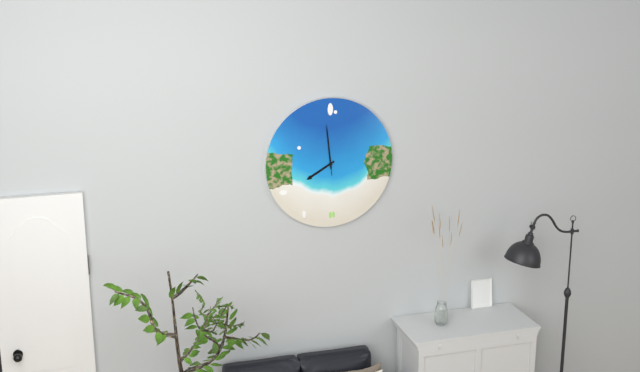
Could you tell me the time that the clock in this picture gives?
7:59
